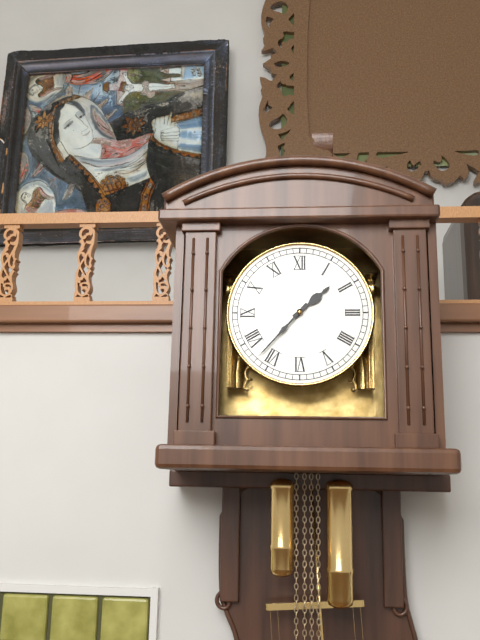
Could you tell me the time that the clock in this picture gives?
1:37
